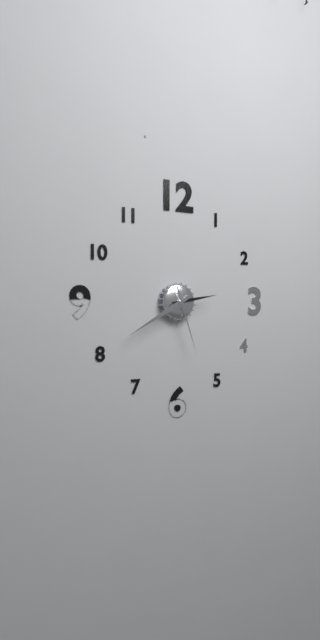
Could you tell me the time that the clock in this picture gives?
2:40:27
